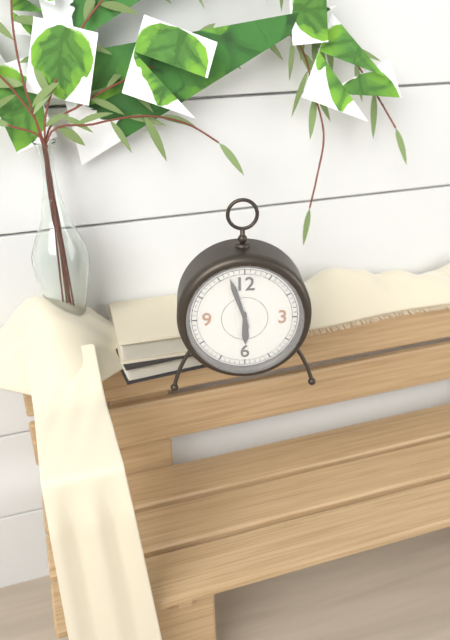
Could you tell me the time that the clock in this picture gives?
5:57
